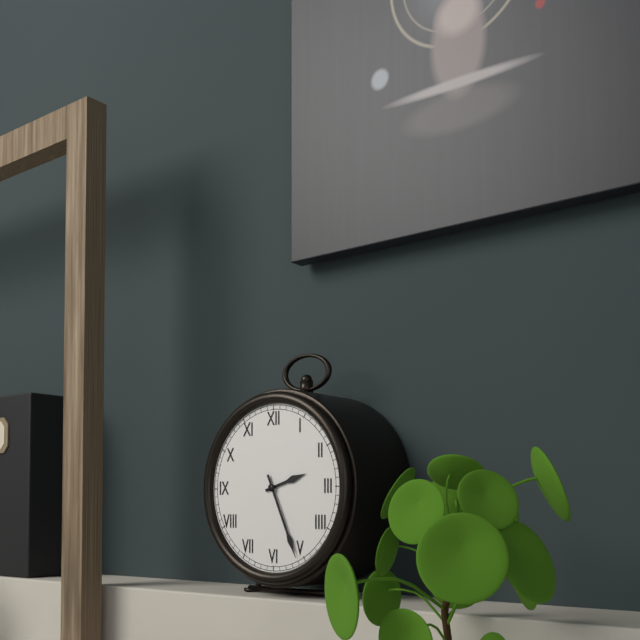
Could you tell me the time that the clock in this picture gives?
2:26
